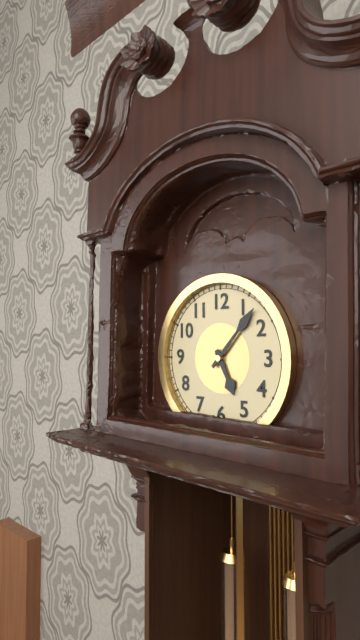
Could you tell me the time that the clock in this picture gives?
5:07
